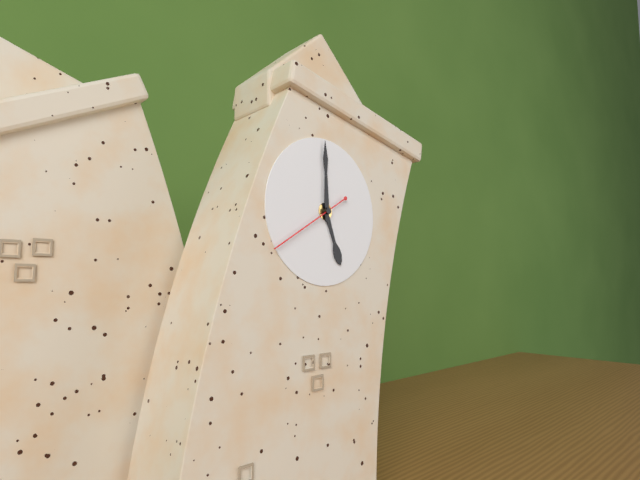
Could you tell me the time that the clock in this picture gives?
4:58:38
